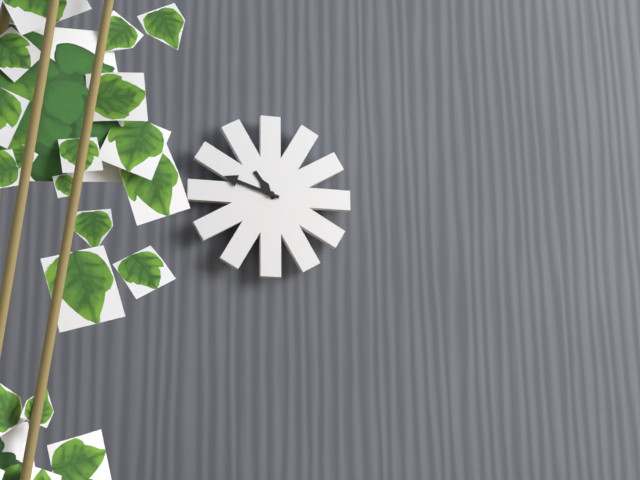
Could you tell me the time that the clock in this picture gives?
10:48
